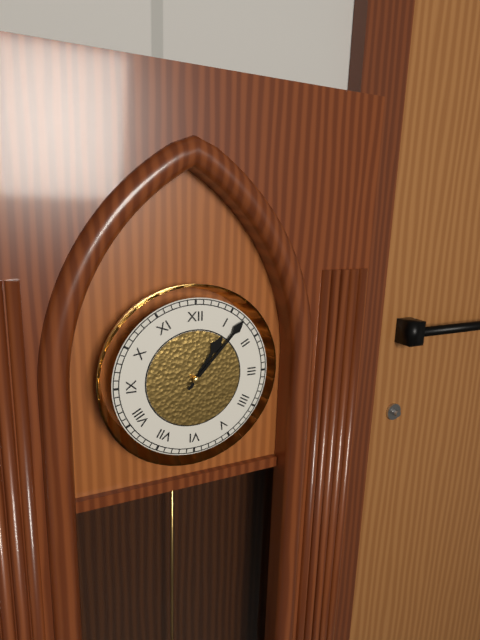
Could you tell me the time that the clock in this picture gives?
1:07
